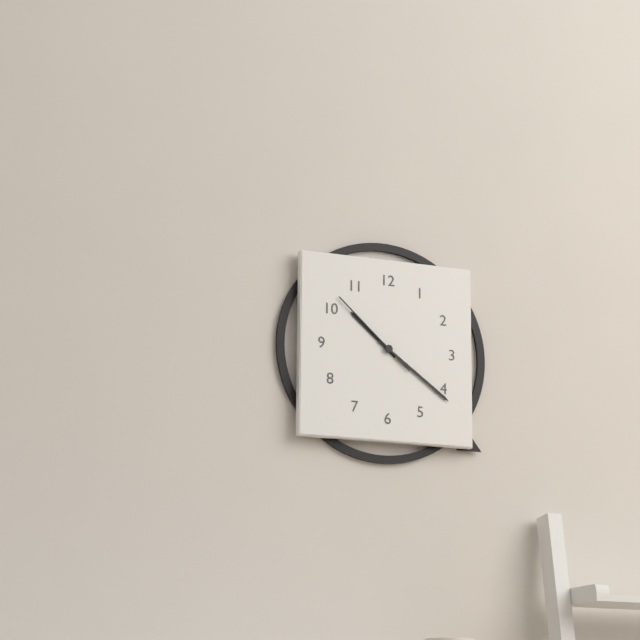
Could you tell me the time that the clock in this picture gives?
10:21:52
